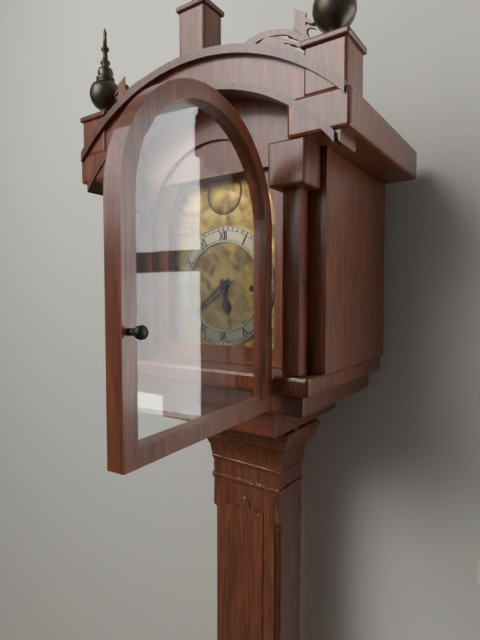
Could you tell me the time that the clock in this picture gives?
5:39
